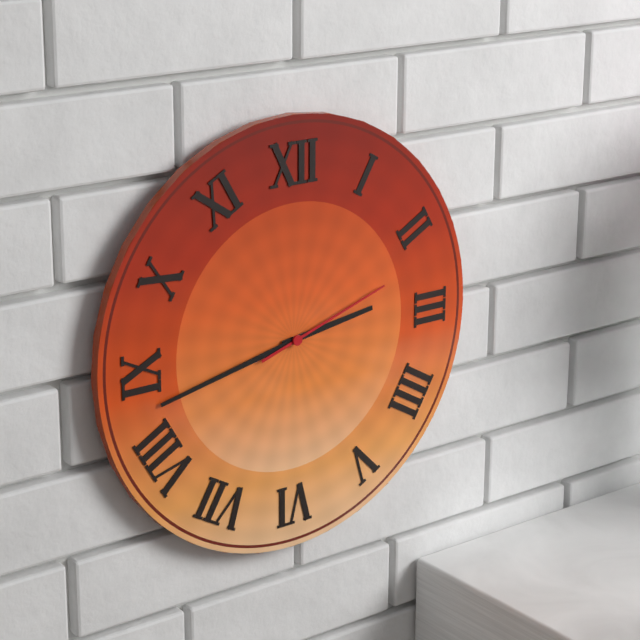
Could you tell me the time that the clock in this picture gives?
2:43:12
